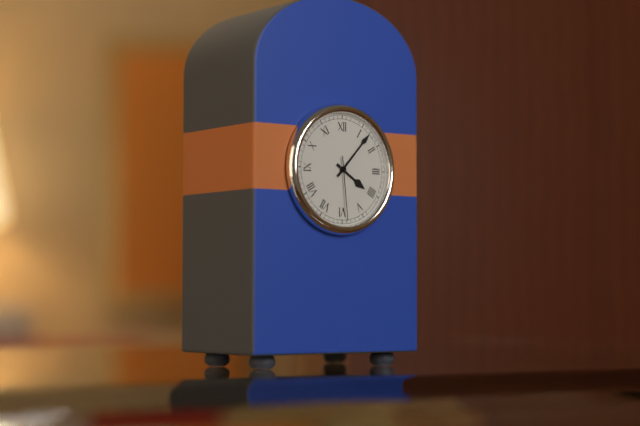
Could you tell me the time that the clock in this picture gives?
4:07:29
